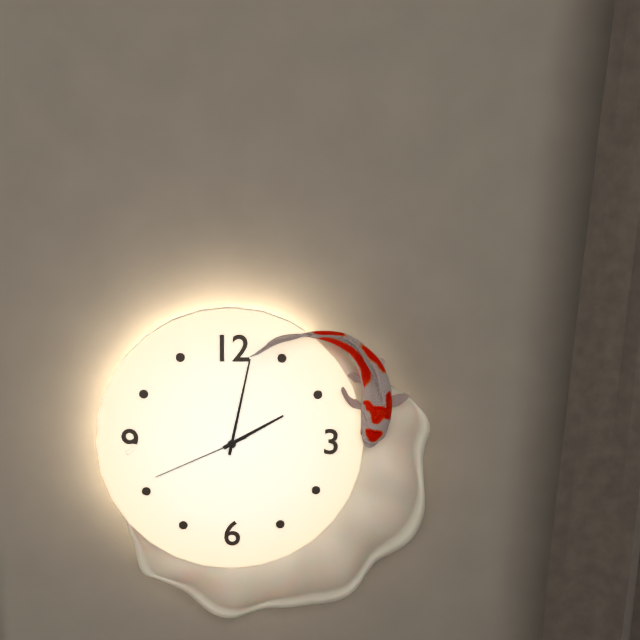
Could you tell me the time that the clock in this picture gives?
2:02:41
